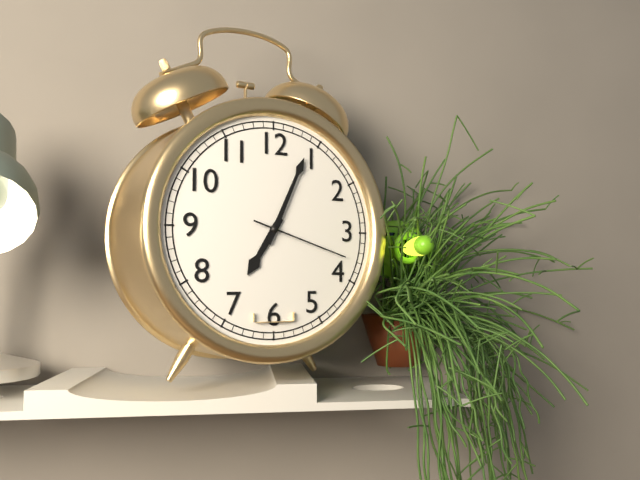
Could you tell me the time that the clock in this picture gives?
7:04:18
